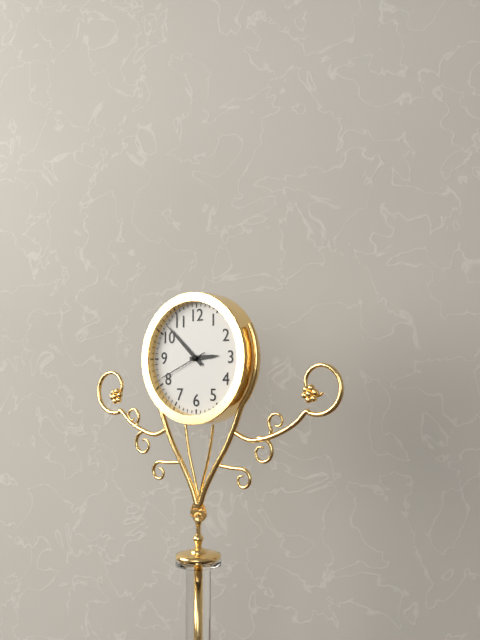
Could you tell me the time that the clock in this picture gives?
2:52
